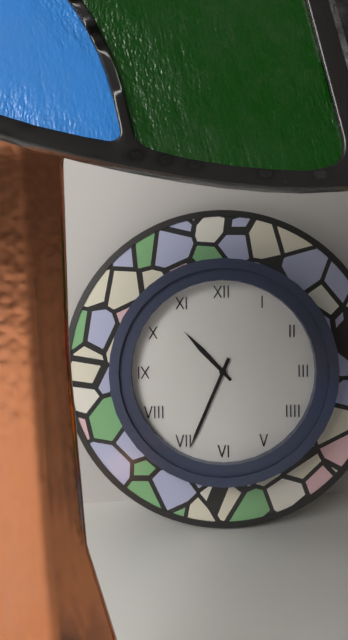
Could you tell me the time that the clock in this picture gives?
10:34
